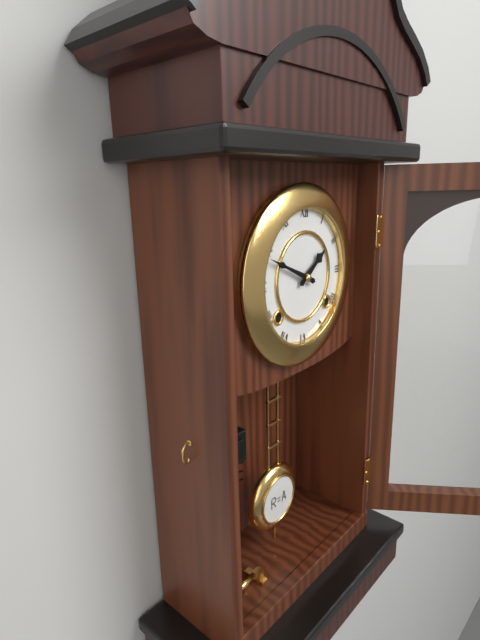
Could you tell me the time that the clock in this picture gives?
1:49
